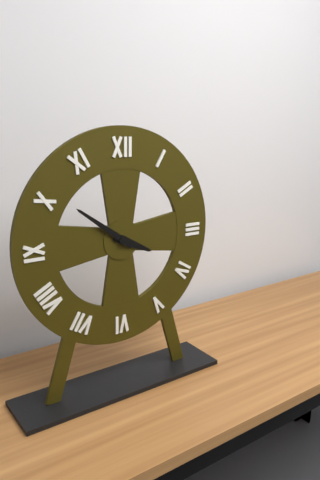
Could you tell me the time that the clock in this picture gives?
3:51
